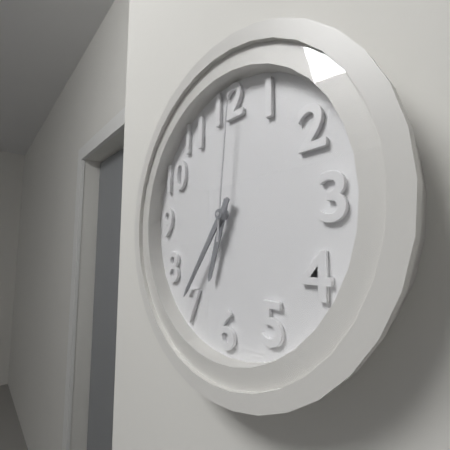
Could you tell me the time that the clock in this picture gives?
6:36:01
